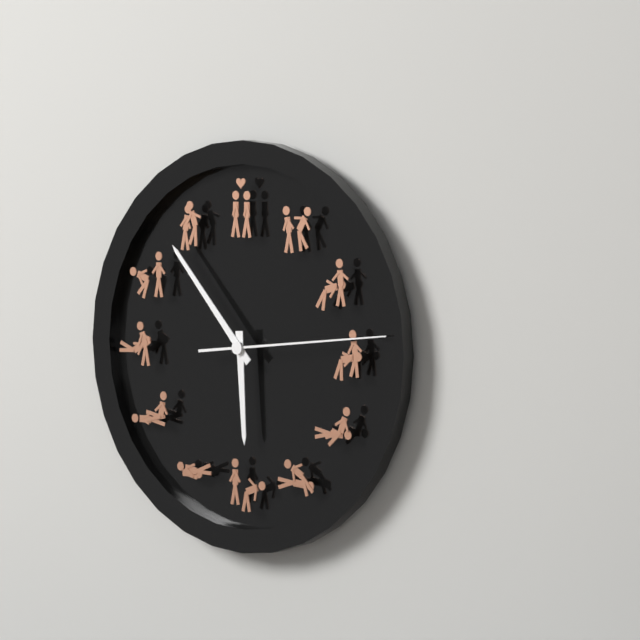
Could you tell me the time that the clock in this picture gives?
5:53:14
